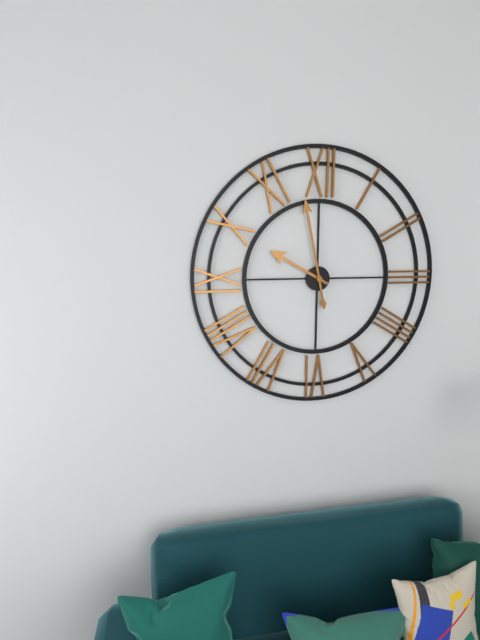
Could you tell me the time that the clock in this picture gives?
9:58
